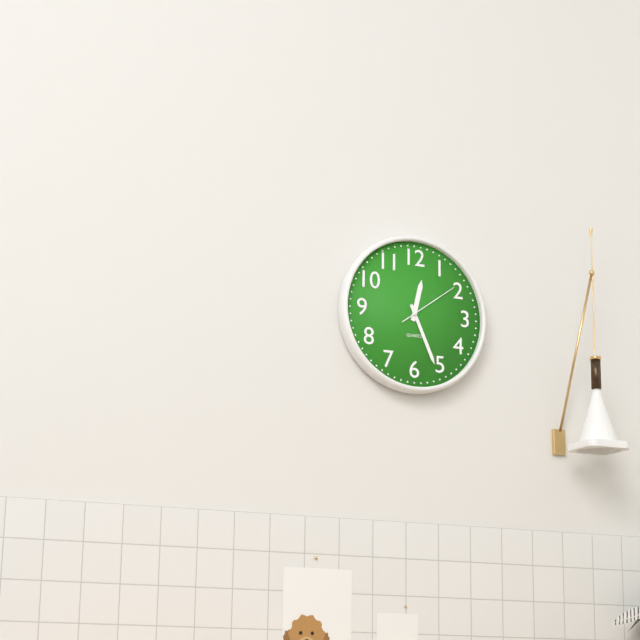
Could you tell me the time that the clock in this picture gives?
12:26:09
